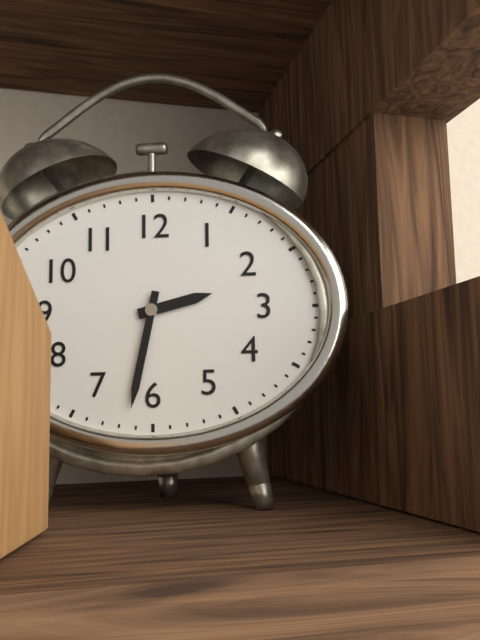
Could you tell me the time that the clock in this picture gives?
2:32
